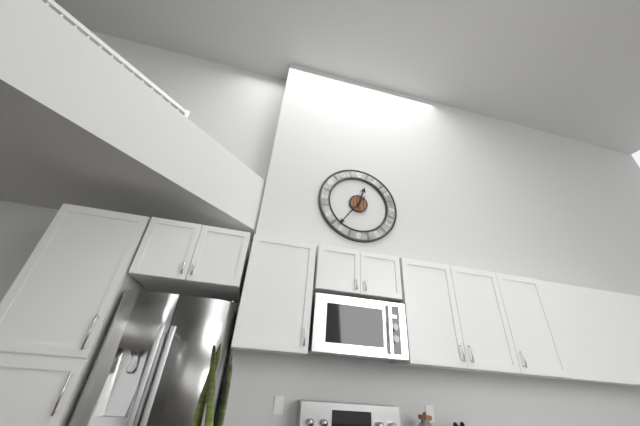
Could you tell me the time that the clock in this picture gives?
12:36
